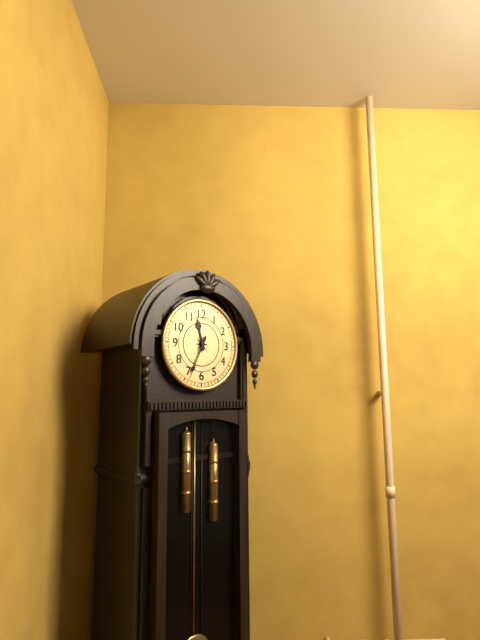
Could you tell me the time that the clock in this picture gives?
11:34
